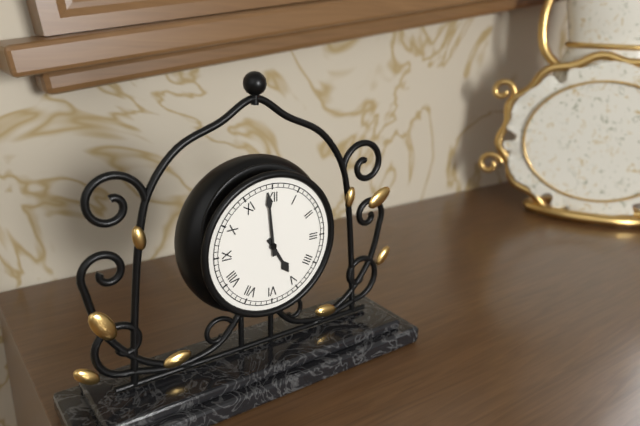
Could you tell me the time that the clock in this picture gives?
4:59
